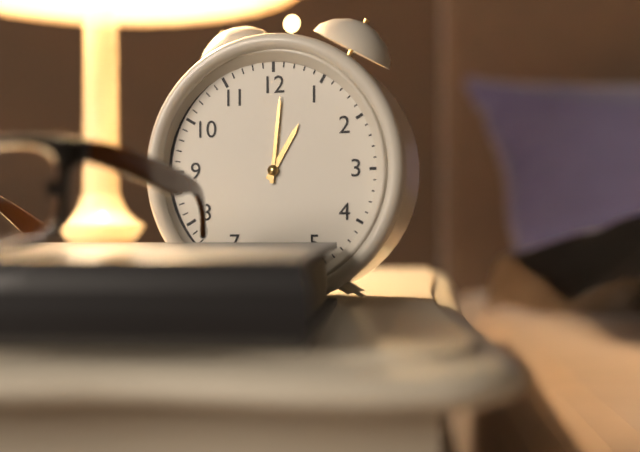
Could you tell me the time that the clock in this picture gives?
1:01
